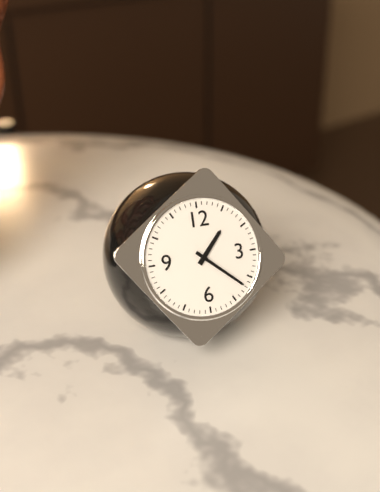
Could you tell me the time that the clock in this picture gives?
1:22
